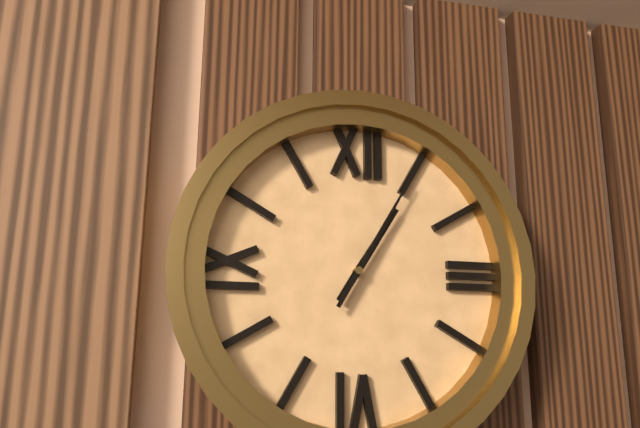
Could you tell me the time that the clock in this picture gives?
1:05
